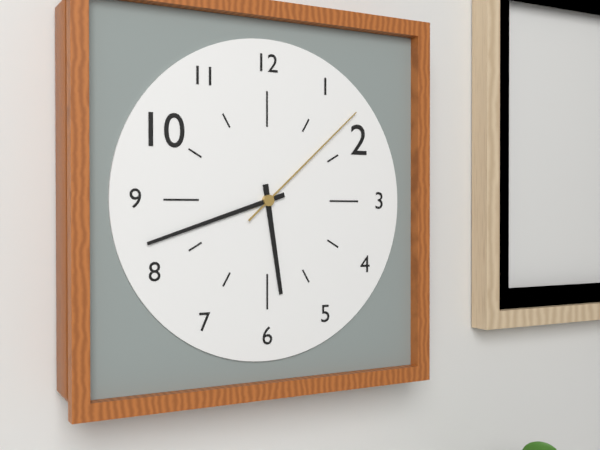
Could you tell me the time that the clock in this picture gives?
5:42:08
